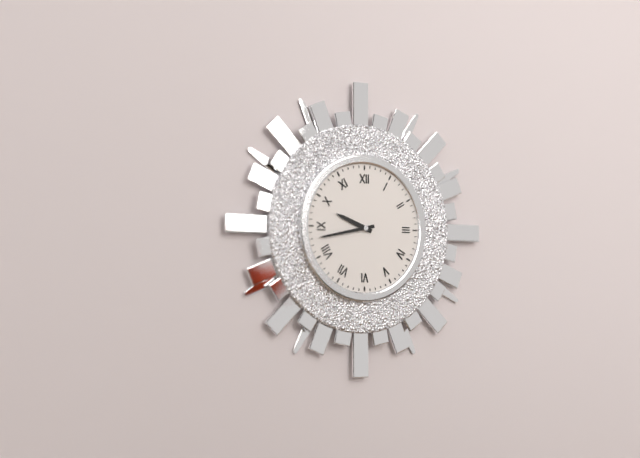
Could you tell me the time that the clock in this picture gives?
9:43
